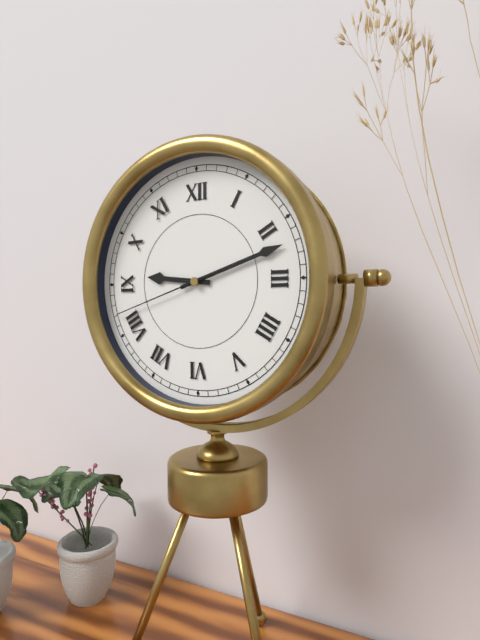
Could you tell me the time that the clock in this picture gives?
9:12:42
